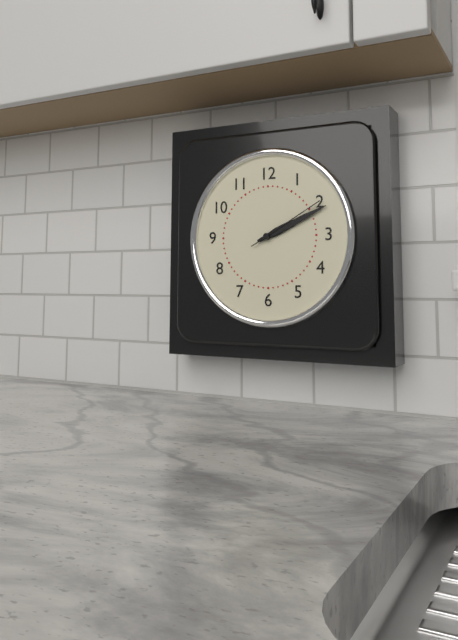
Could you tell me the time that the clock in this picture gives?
2:11:10
